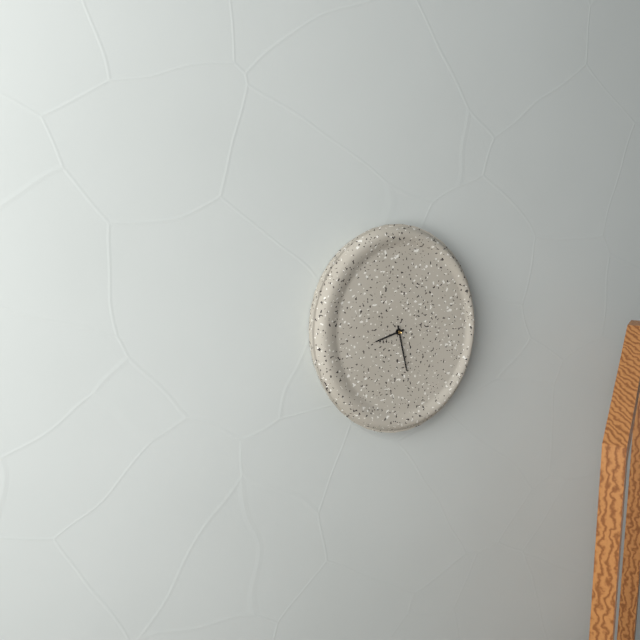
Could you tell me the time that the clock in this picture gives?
8:28
